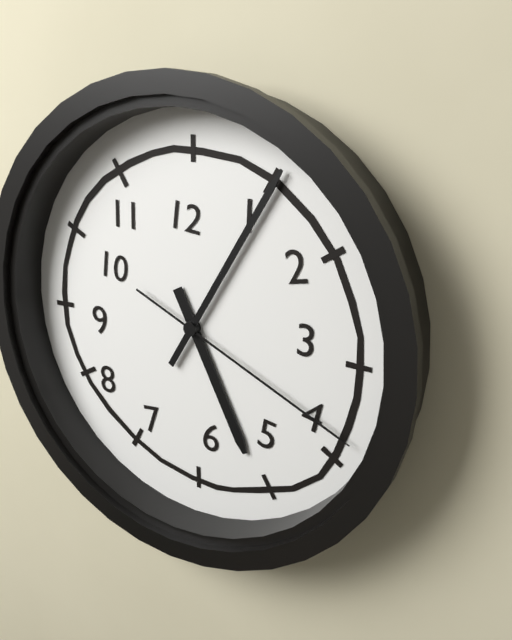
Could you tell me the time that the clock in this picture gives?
5:05:19
